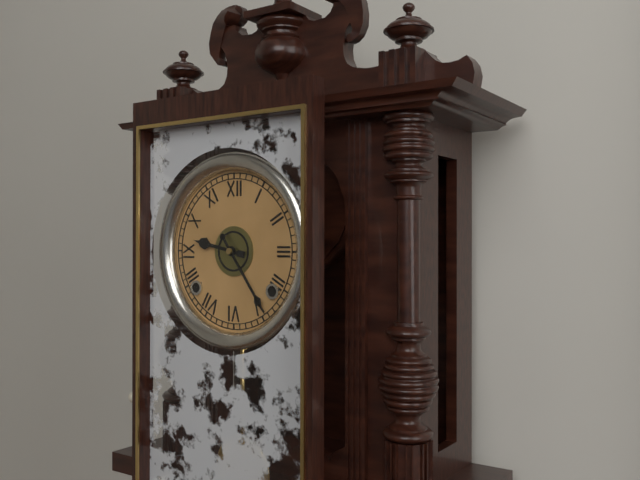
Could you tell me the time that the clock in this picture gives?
9:24
